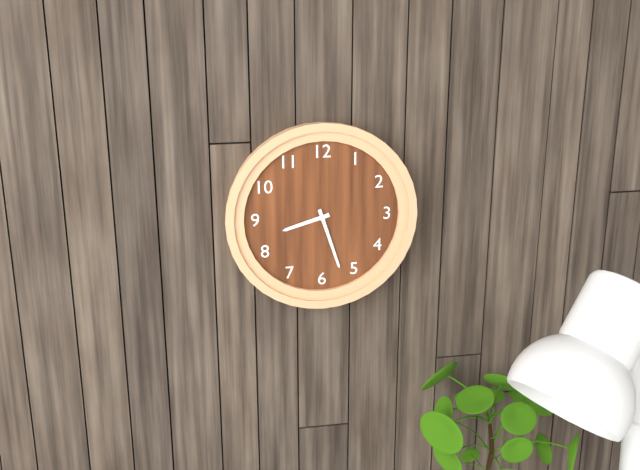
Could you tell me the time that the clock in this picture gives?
8:27
